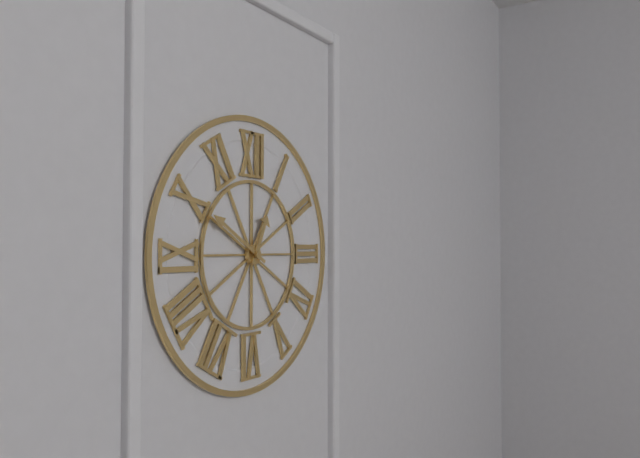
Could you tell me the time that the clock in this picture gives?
12:50
